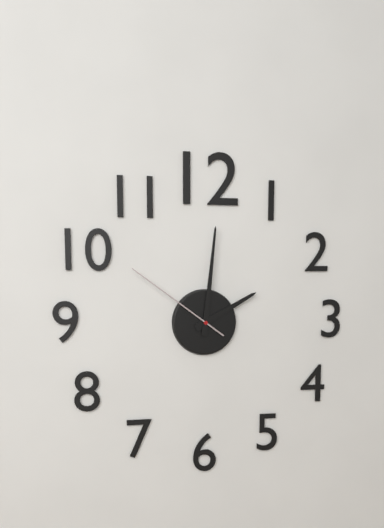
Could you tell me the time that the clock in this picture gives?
2:01:51
